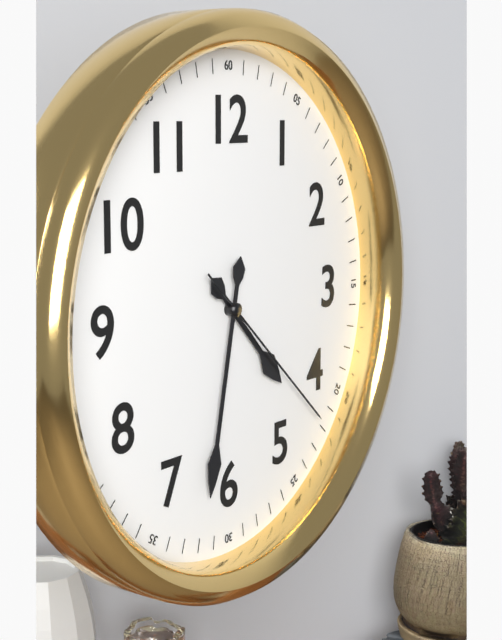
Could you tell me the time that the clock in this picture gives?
4:32:22
